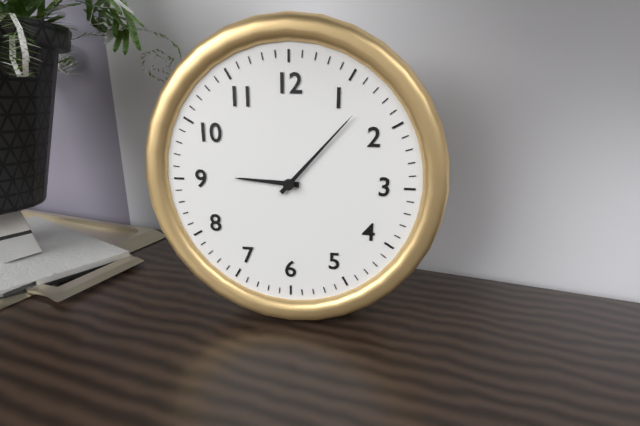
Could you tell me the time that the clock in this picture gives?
9:07
